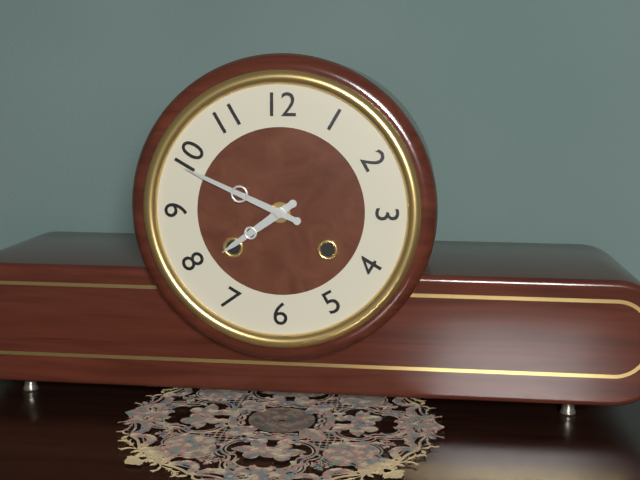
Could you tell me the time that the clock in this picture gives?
7:49
